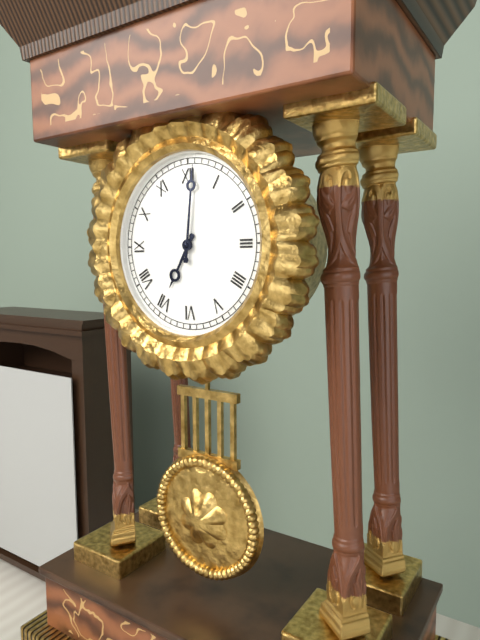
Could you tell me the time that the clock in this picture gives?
7:01
